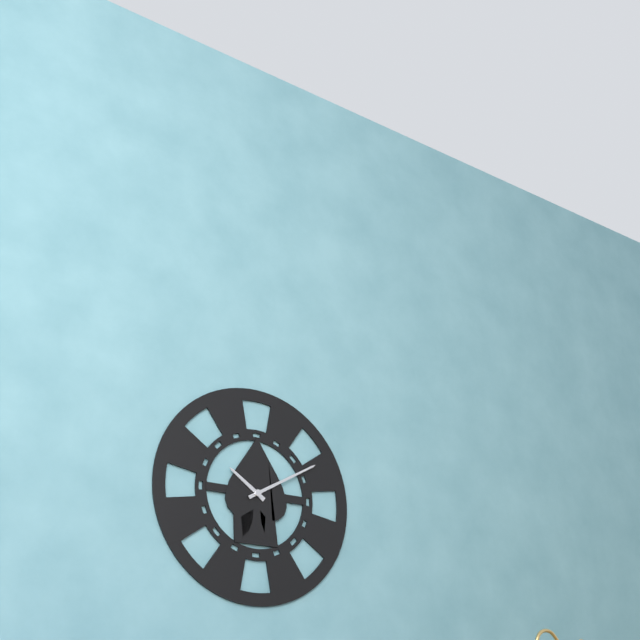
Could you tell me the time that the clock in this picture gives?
10:10
